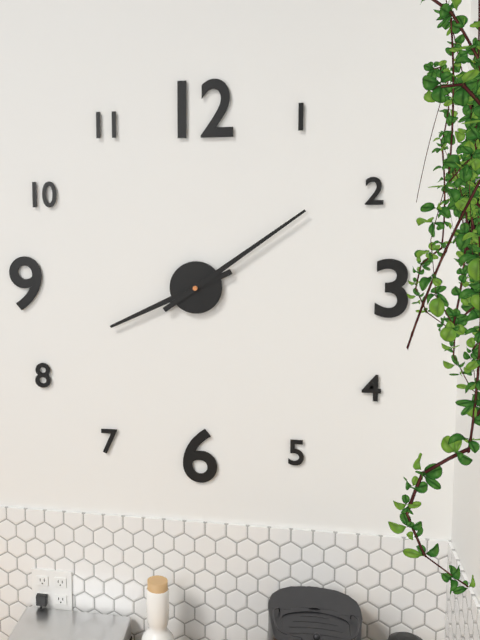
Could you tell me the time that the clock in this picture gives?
8:09
